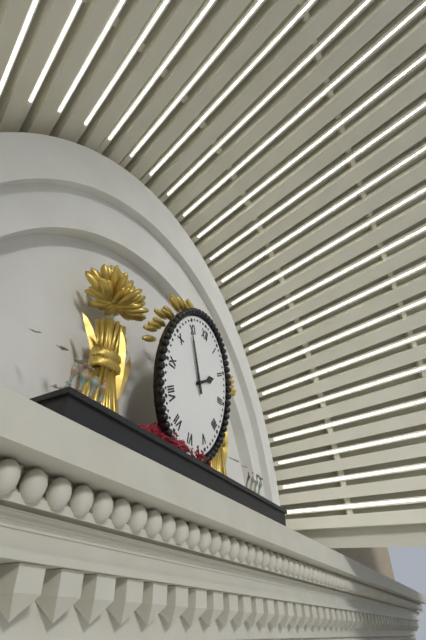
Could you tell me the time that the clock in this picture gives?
1:55
